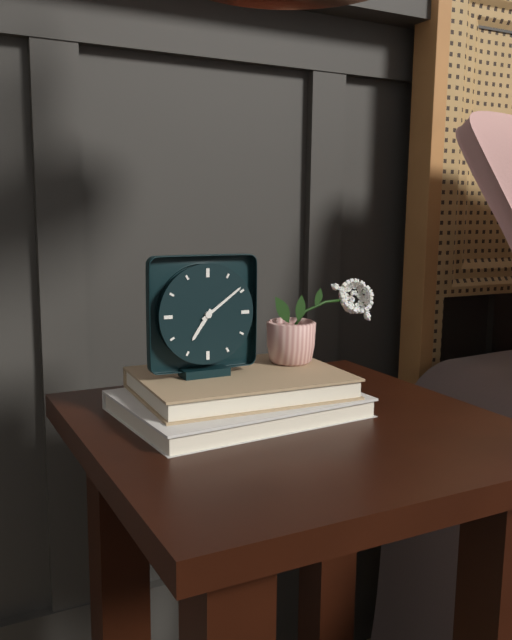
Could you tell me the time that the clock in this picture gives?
7:09
